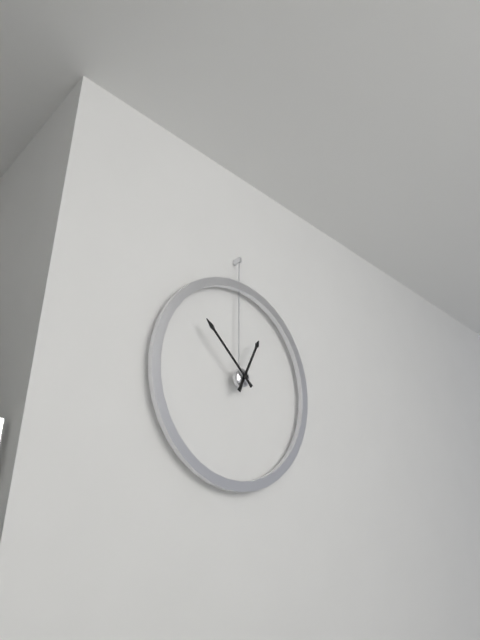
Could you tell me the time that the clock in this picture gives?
12:52
